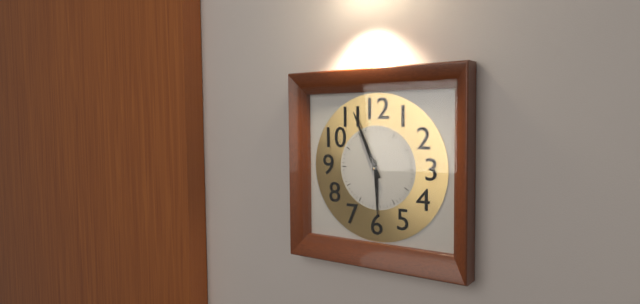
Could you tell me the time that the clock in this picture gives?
5:56
